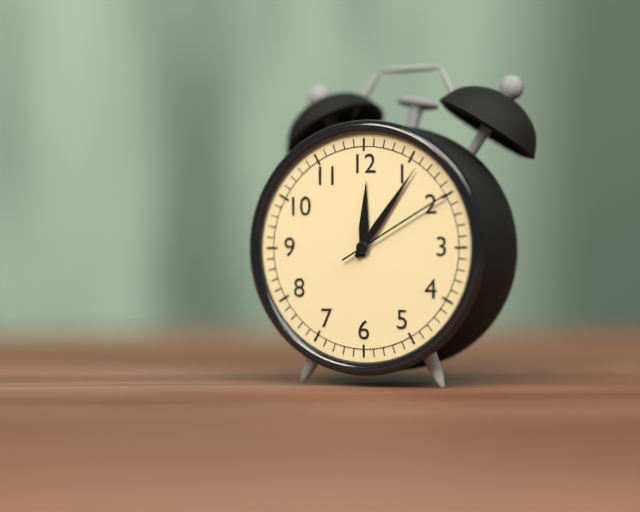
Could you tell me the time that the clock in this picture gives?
12:06:10
